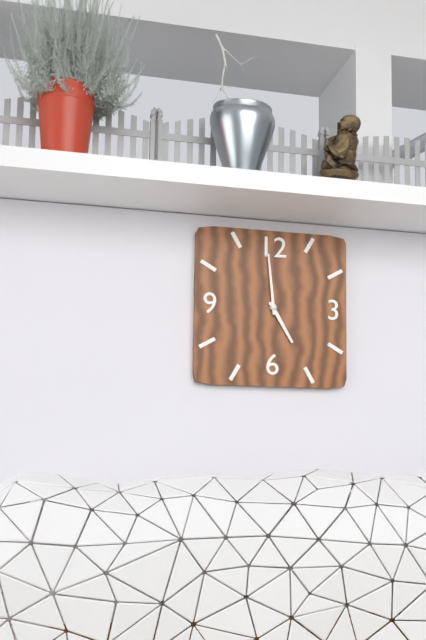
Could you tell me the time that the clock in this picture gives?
4:59
